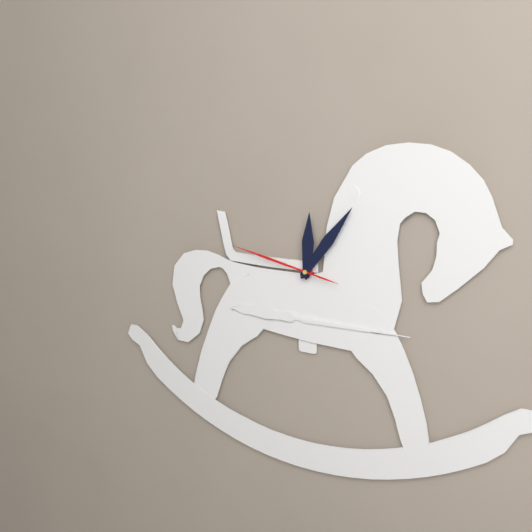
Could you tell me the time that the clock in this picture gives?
12:06:47
